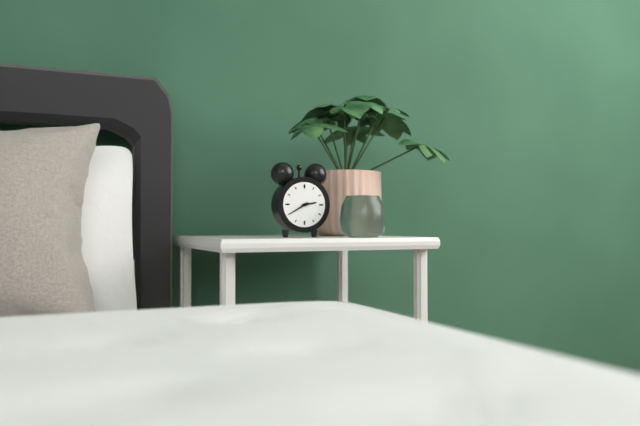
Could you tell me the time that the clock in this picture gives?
2:40
